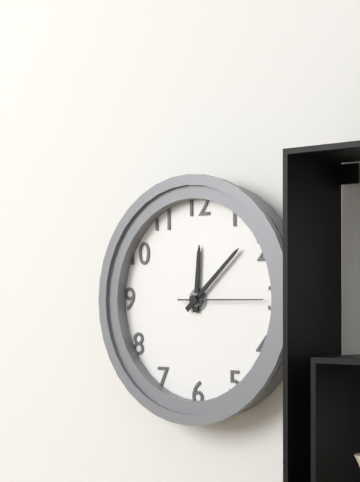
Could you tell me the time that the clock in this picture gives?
12:08:15
